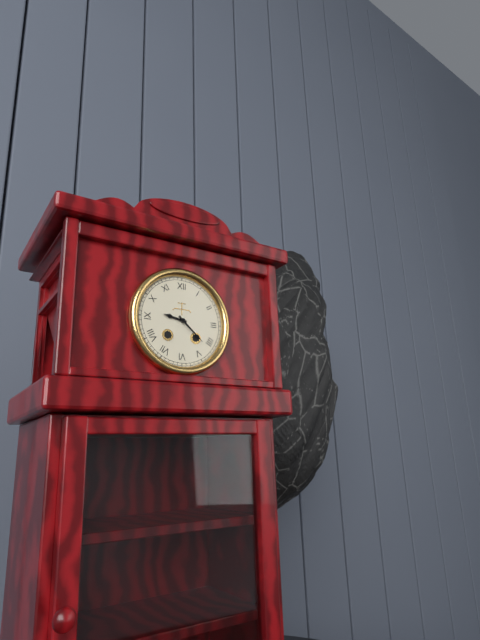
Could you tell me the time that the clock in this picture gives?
9:22
